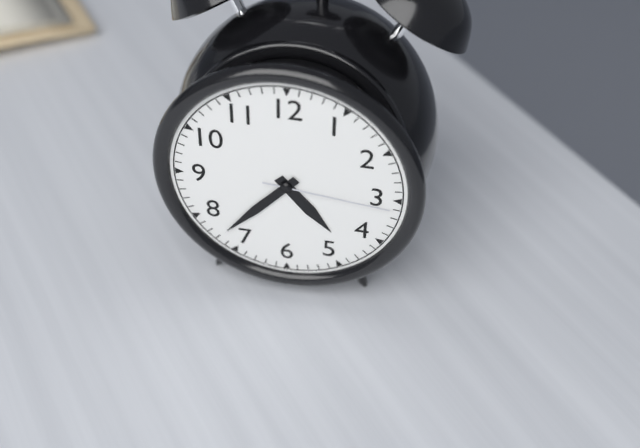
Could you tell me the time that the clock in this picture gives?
4:37:16
